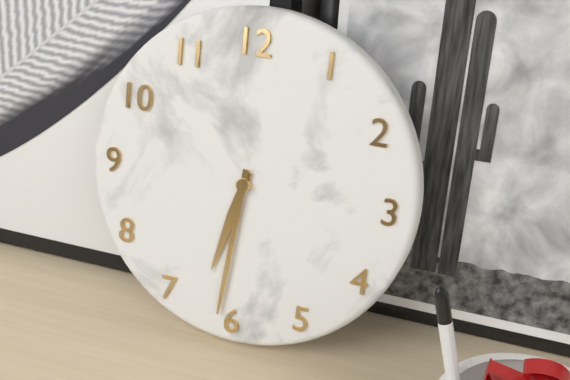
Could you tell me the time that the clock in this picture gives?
6:31
